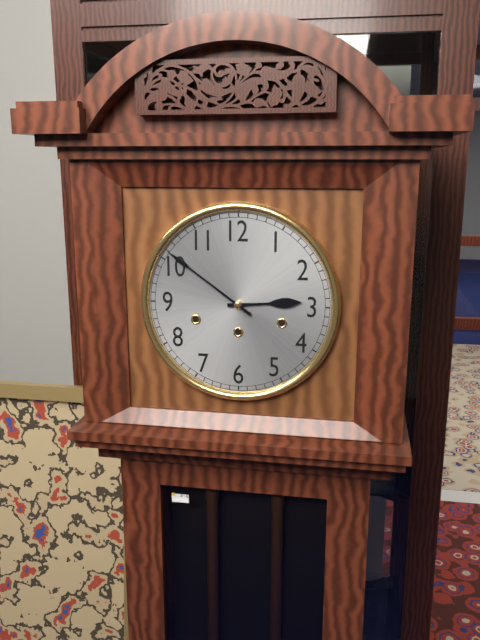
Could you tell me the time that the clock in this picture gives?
2:51
